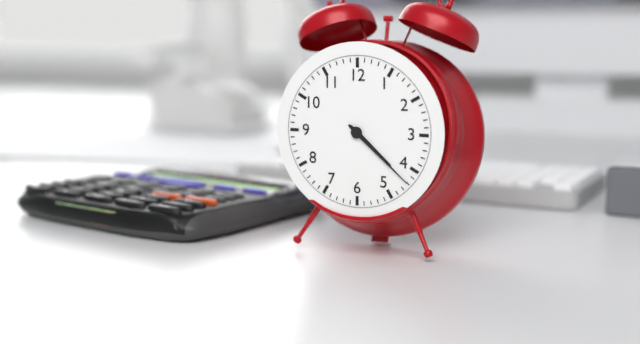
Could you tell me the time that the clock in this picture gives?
4:22
